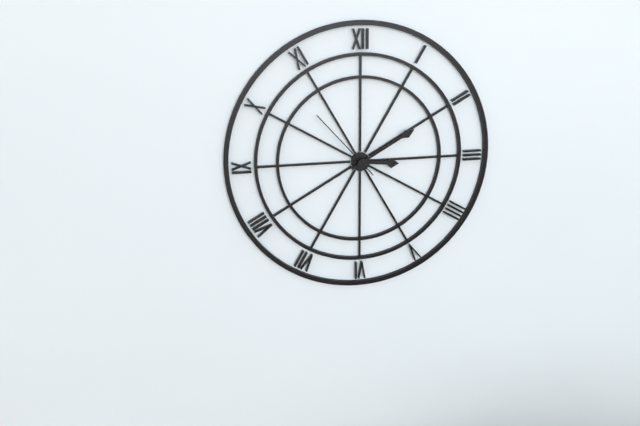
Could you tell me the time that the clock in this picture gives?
3:10:53
